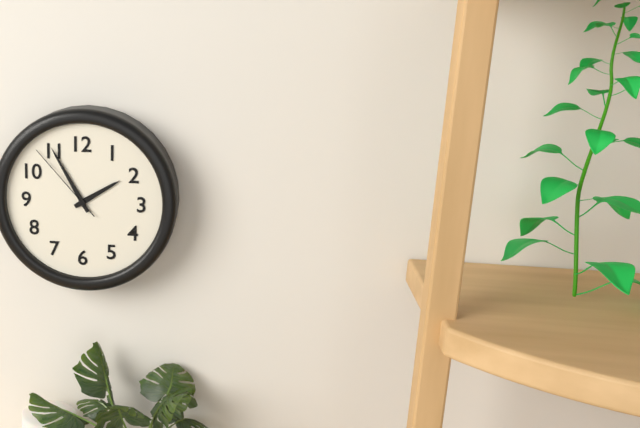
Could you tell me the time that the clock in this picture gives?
1:55:53
